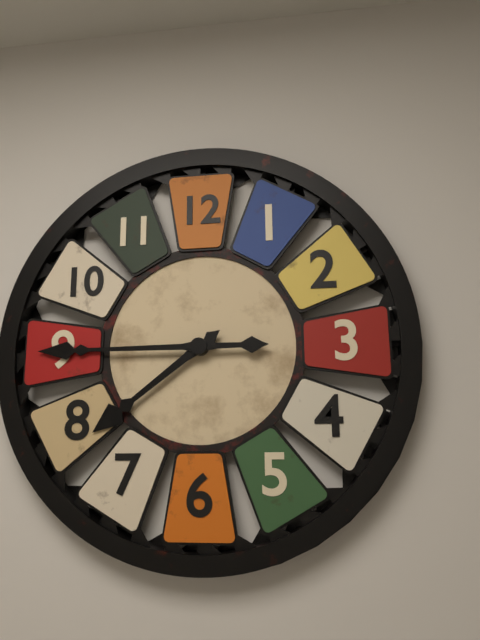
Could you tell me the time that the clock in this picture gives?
7:45
